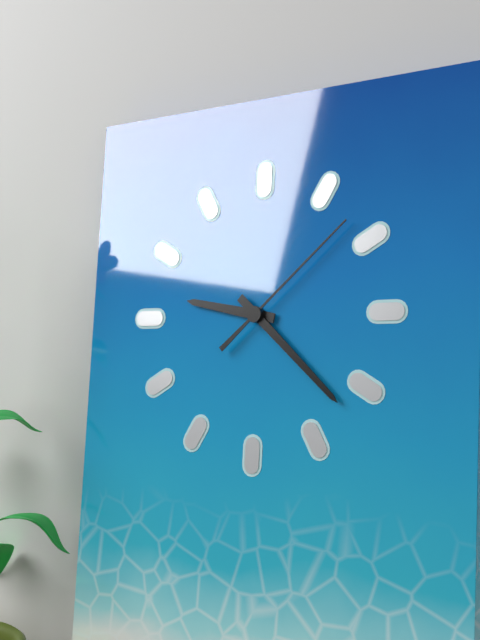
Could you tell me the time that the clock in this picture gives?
9:22:08
